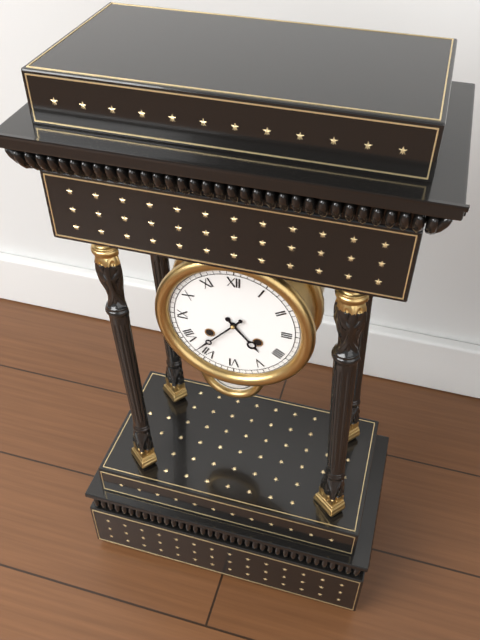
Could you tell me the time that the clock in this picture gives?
4:37
